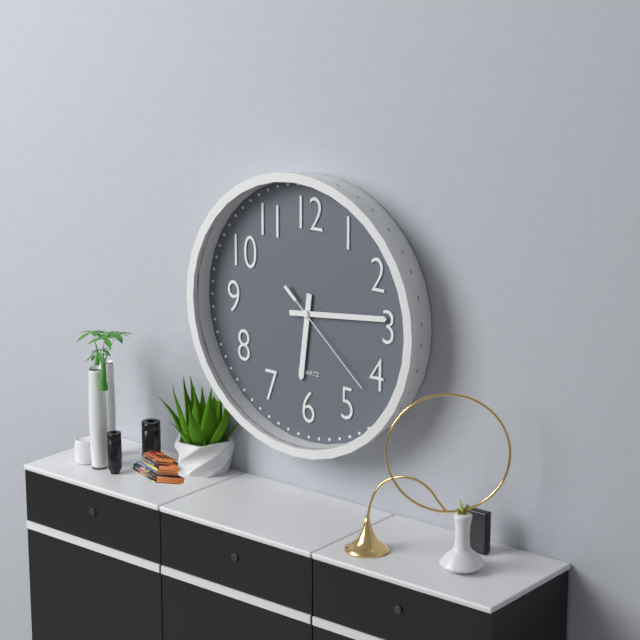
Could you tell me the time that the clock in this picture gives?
6:14:22
